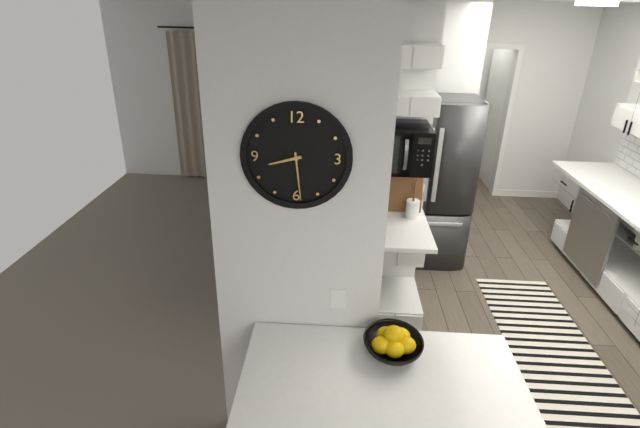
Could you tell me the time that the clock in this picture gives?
8:29
